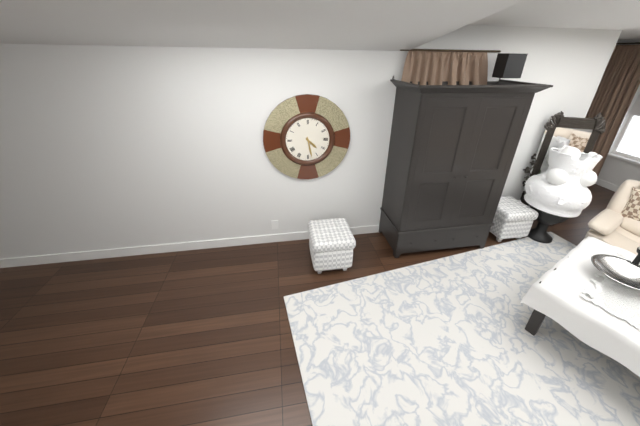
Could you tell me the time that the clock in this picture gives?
4:28
